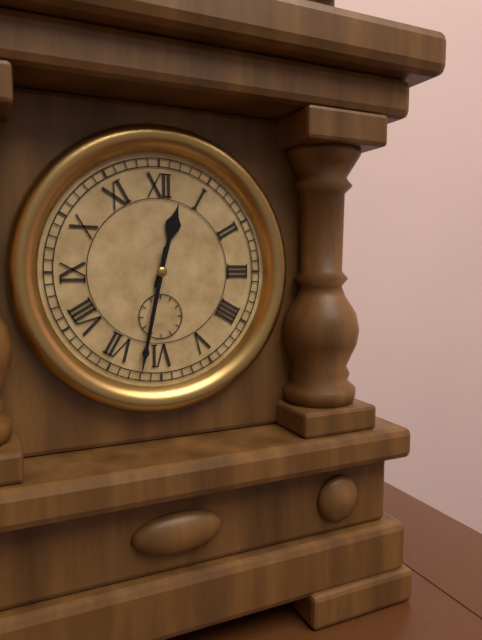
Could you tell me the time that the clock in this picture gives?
12:32
